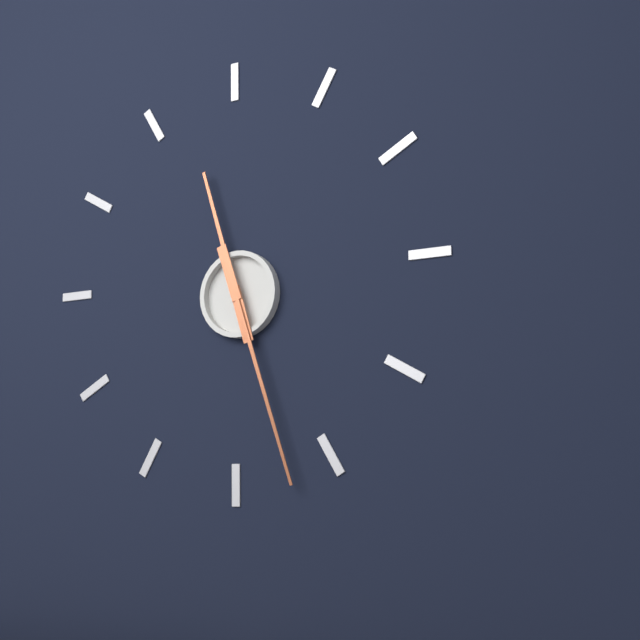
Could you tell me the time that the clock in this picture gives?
11:27
